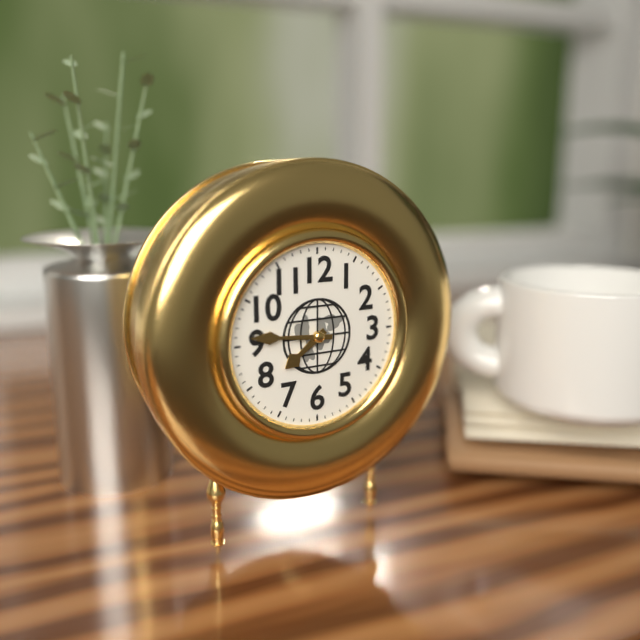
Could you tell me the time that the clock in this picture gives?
7:46
